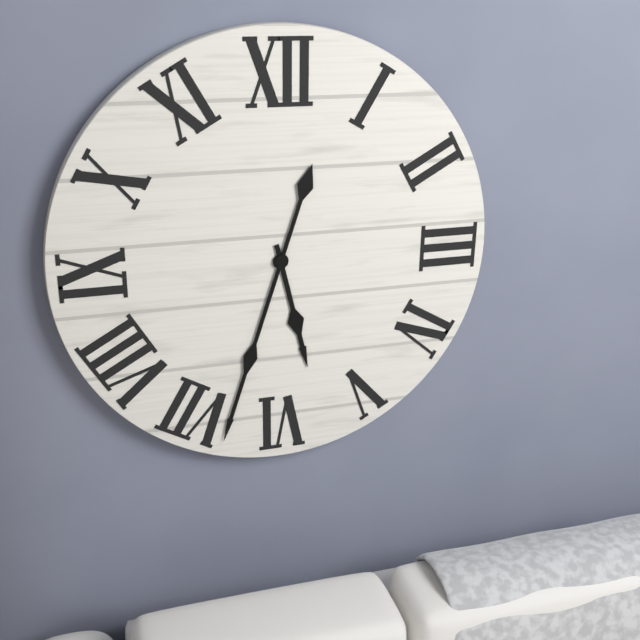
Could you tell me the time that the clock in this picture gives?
5:33
